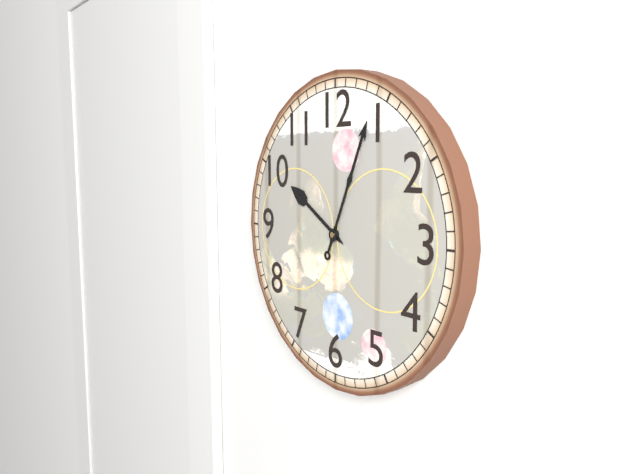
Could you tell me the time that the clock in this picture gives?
10:04
